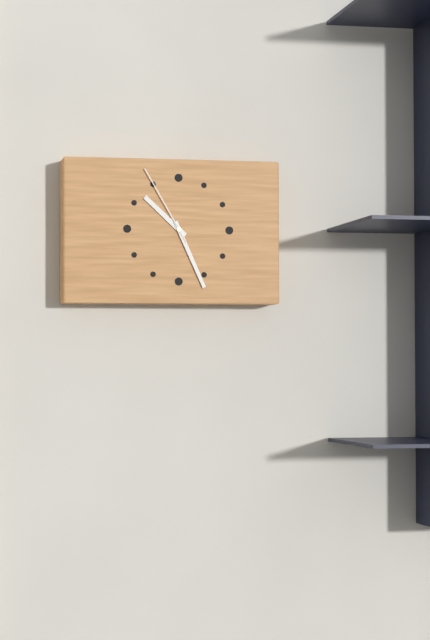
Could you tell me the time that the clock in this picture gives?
10:26:55
